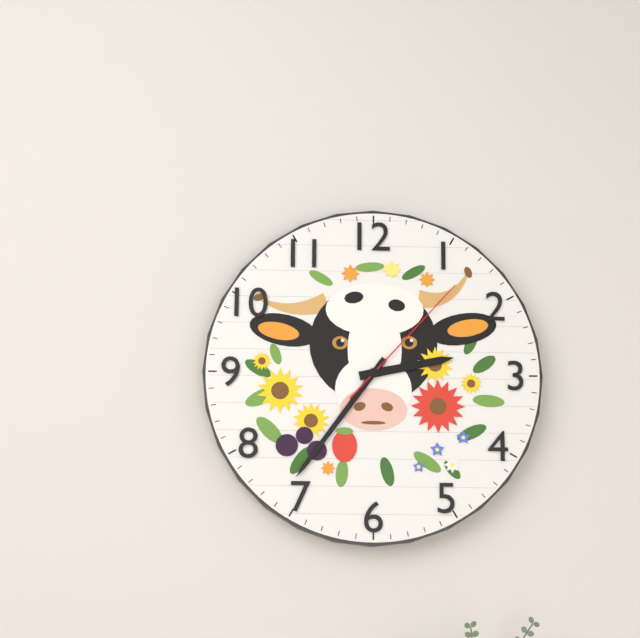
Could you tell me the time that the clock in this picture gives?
2:36:07
